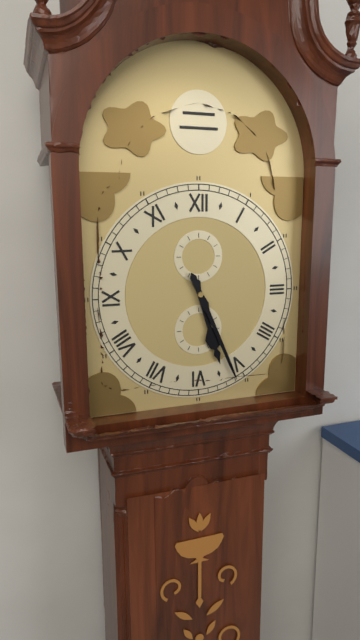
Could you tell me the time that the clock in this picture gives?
5:26
